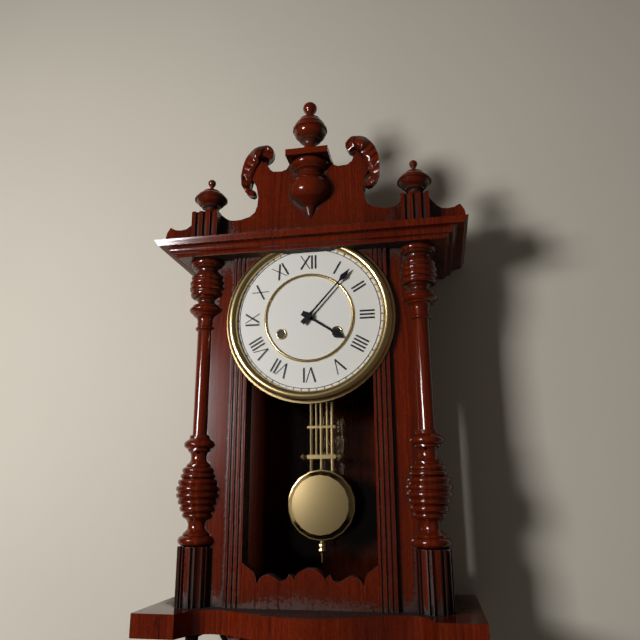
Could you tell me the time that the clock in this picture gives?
4:07
